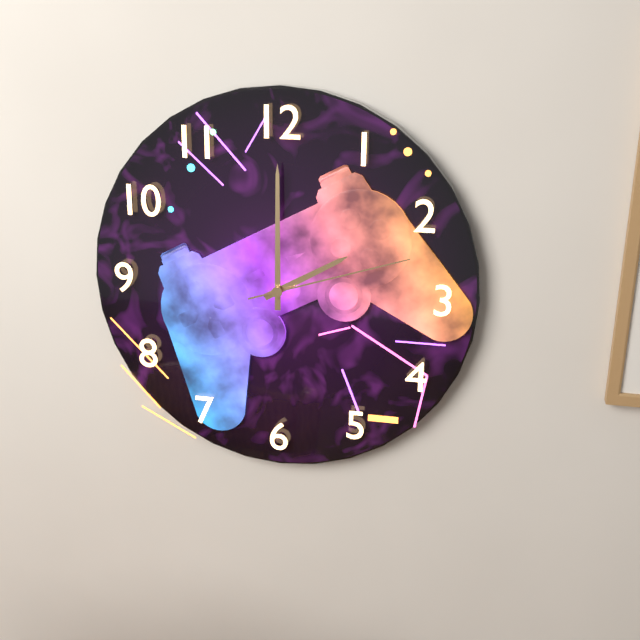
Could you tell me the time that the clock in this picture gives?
2:00:12
